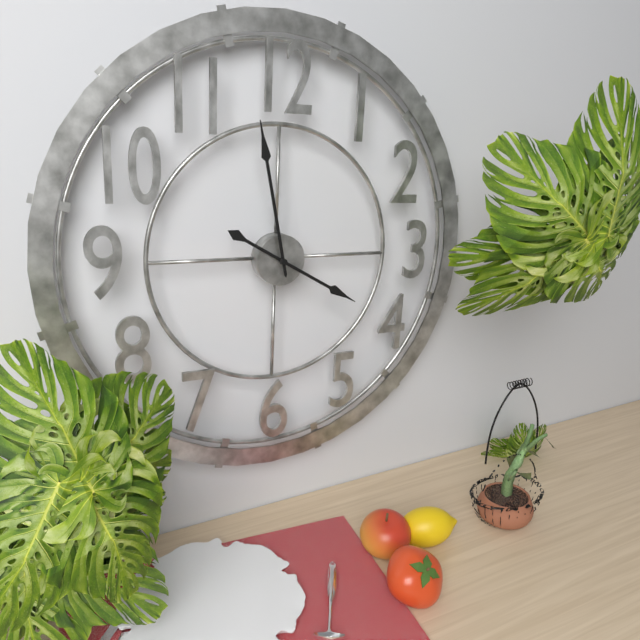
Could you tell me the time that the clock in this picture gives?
3:58
